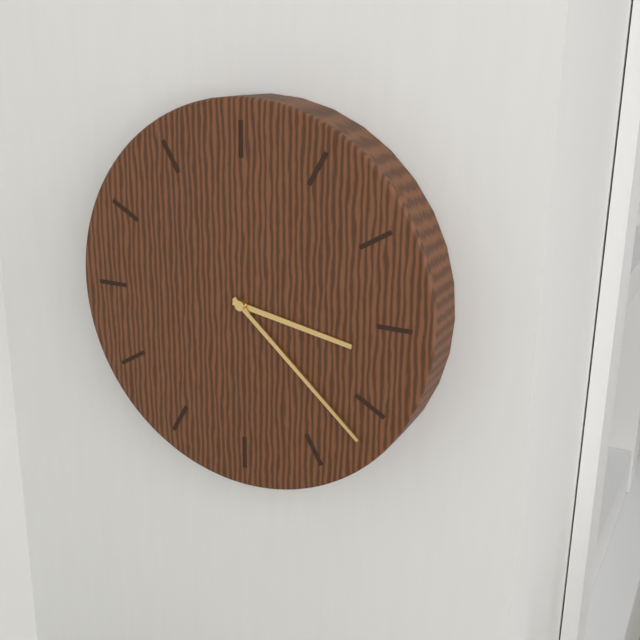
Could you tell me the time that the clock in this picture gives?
3:22
